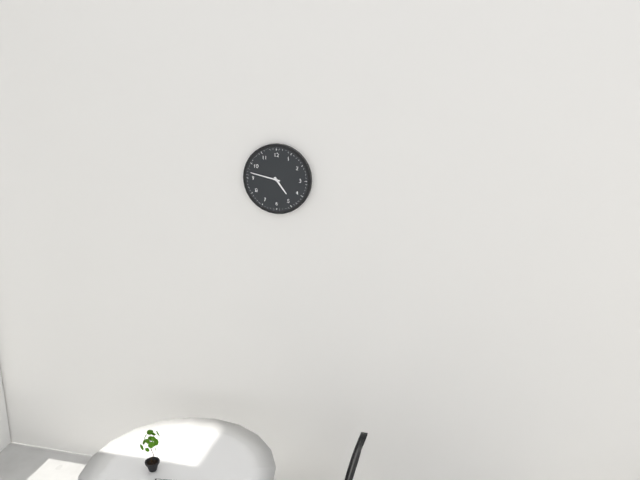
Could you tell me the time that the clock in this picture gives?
4:47
